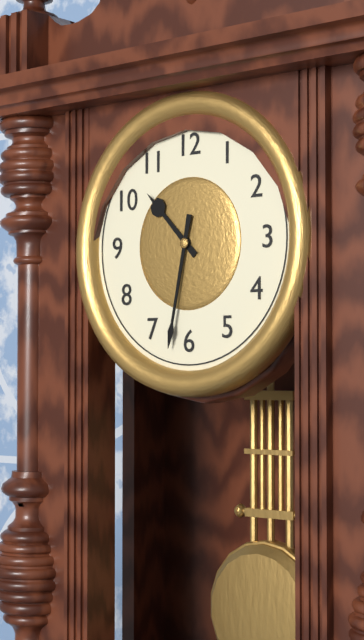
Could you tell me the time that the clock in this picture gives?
10:32
